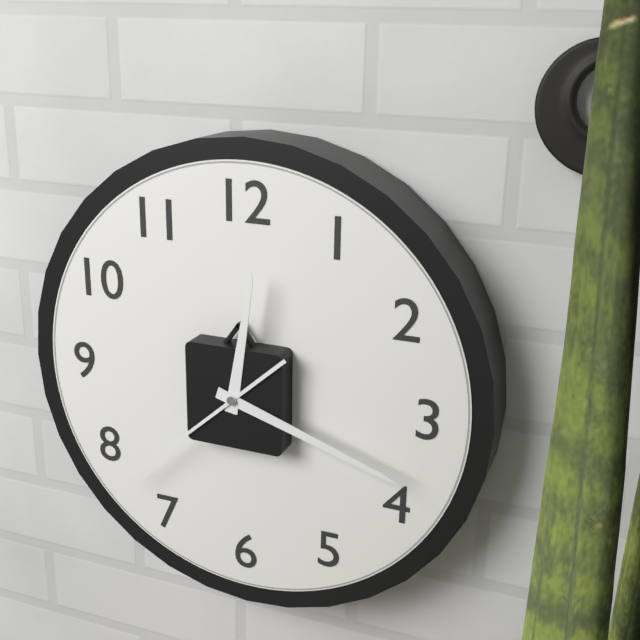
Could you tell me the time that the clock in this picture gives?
12:18:38
